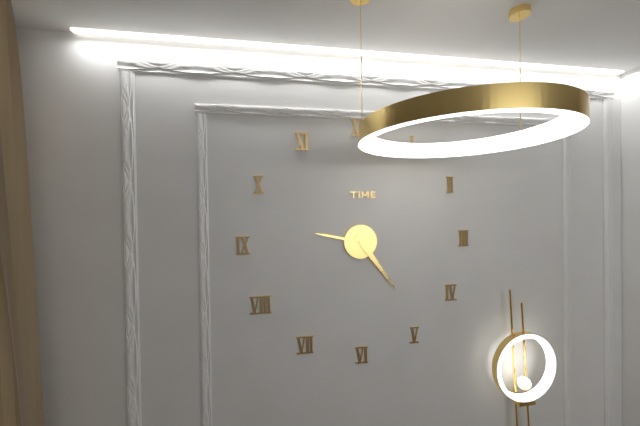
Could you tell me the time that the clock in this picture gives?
9:24
